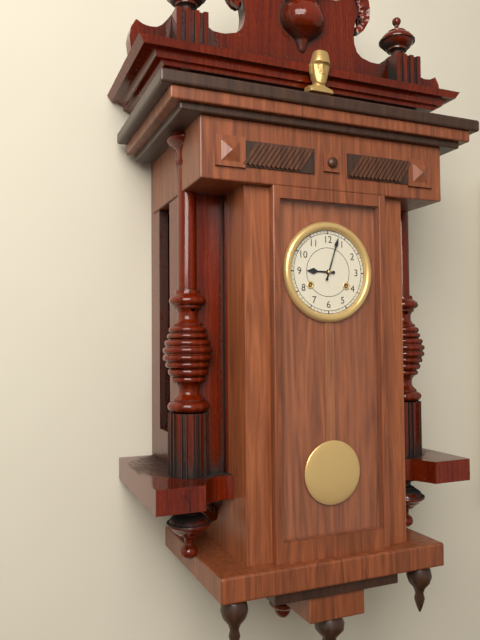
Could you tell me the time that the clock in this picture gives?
9:03
